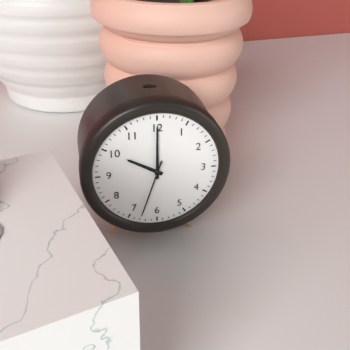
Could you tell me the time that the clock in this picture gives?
10:00:33
